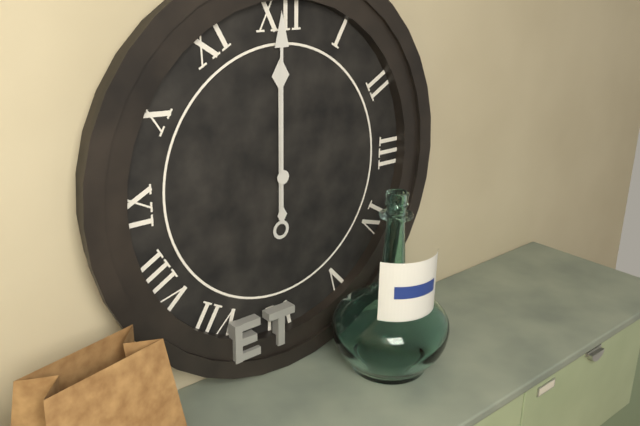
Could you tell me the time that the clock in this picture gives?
12:00
